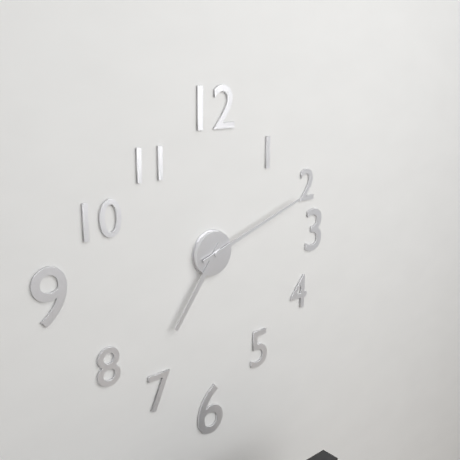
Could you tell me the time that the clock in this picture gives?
7:12
